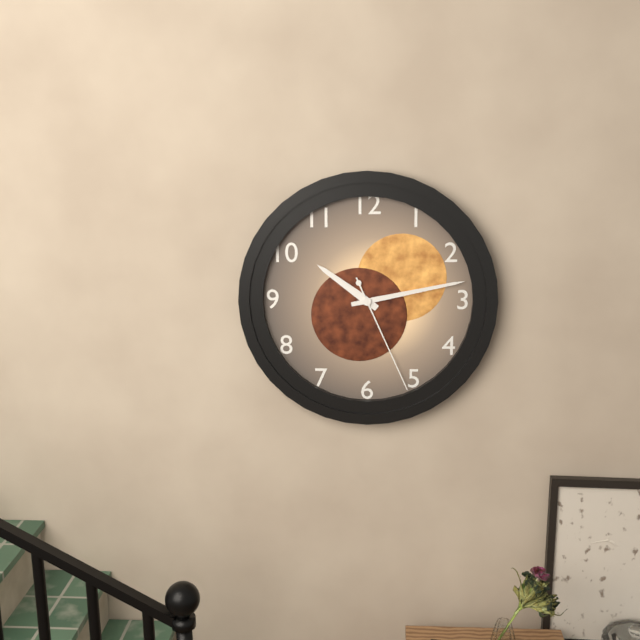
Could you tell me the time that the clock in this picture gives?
10:13:26
